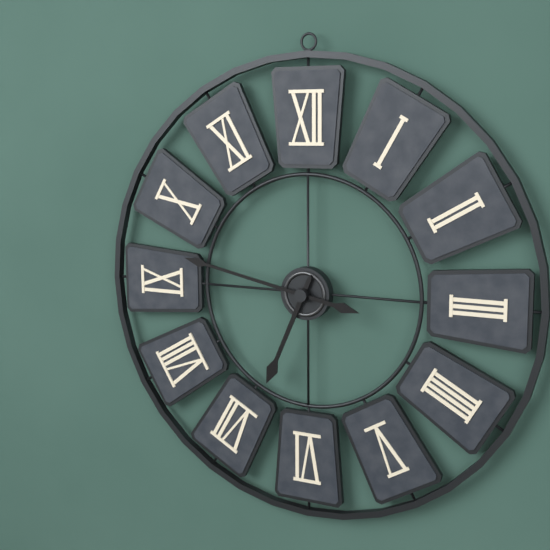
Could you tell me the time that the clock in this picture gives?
6:47
